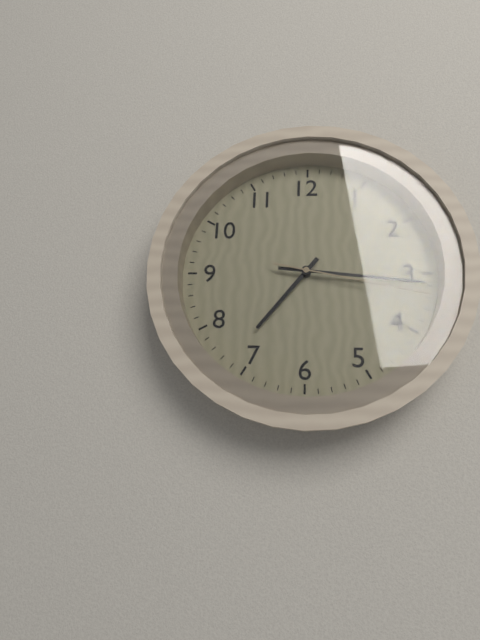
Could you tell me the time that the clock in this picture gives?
7:16:17
